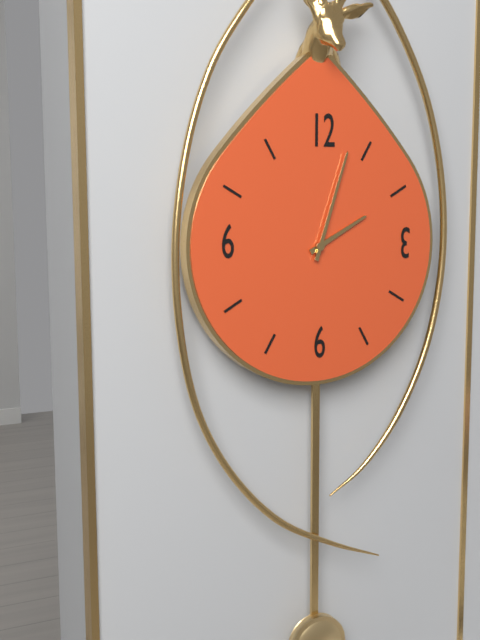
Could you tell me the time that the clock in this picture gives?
2:03
